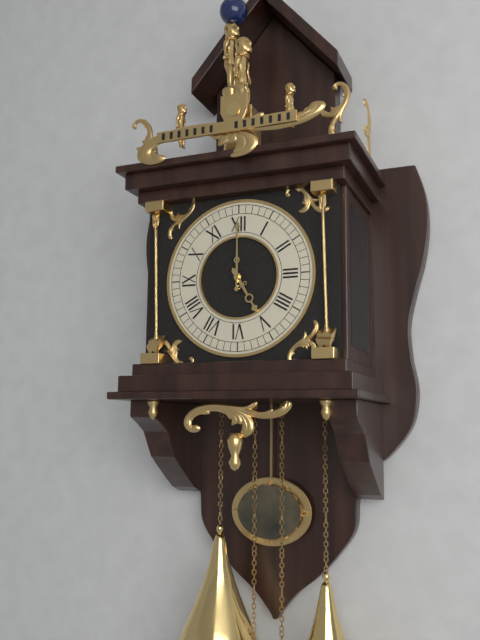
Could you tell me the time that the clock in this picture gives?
5:00
